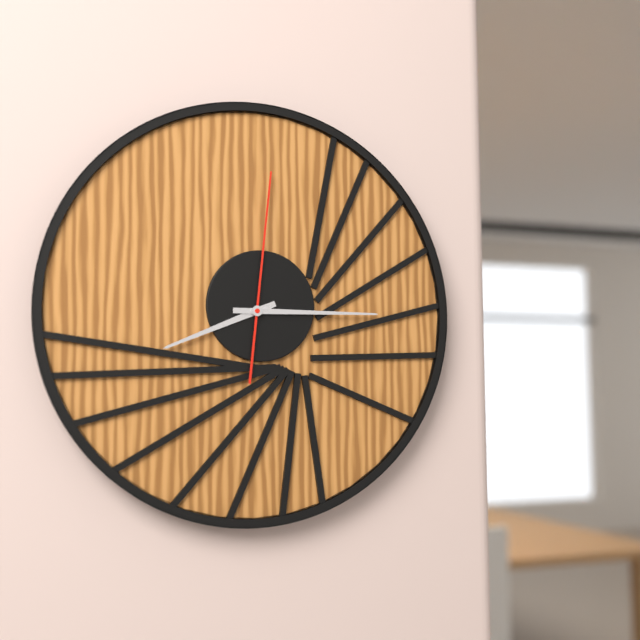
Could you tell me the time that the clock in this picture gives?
8:15:01
